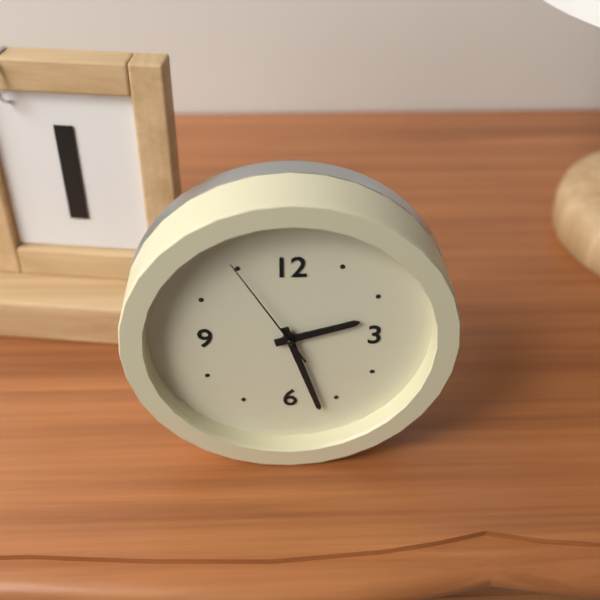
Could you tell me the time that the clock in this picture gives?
2:27:55
